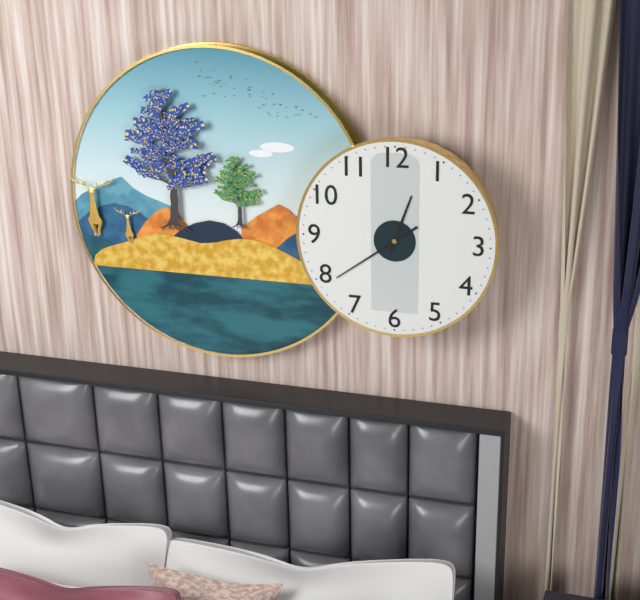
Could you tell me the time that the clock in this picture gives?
12:39
